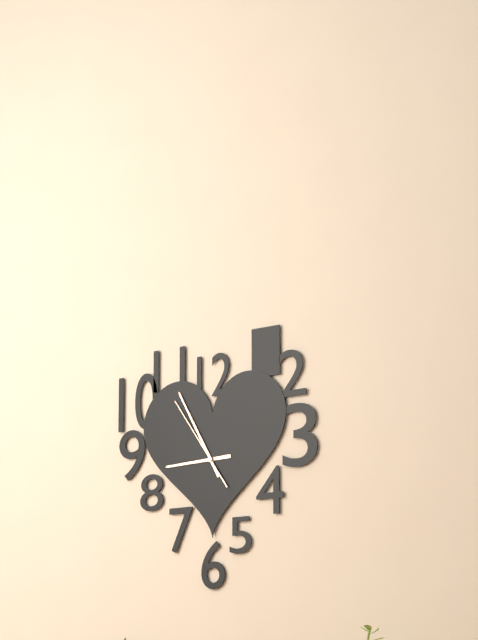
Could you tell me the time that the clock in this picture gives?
8:55:54
